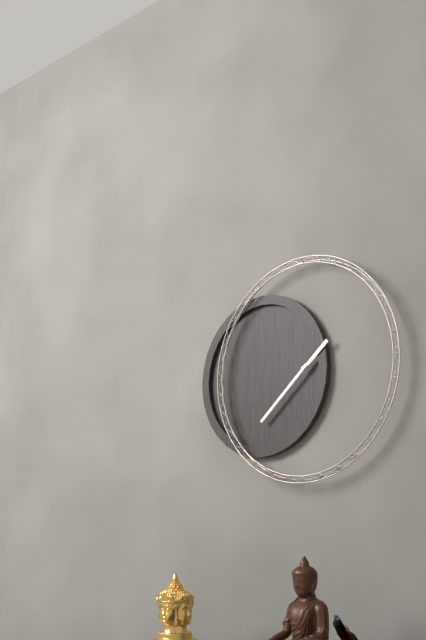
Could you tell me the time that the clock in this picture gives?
1:38
